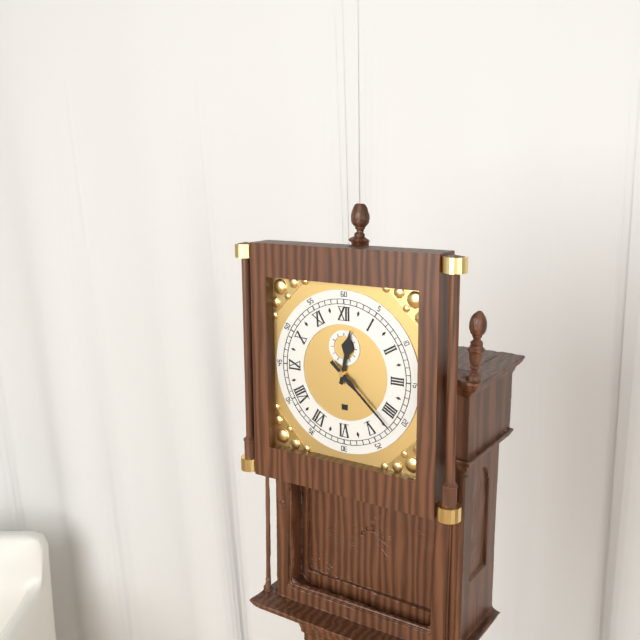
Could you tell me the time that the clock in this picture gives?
12:22
